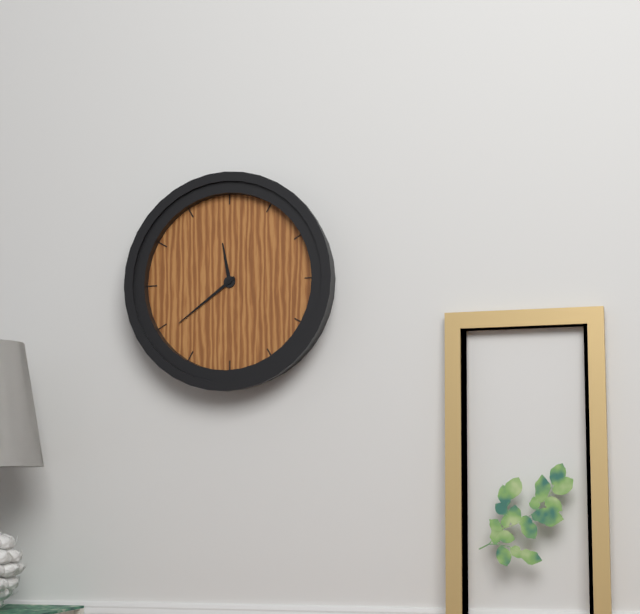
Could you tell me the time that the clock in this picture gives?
11:39
